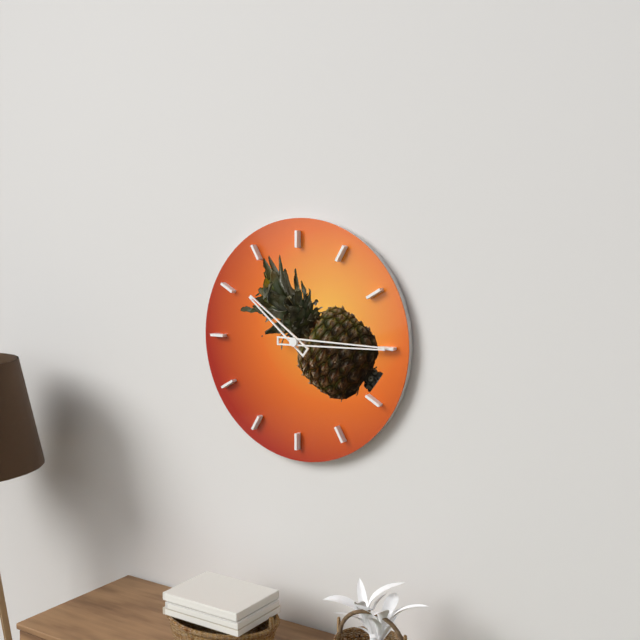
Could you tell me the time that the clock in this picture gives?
10:15
